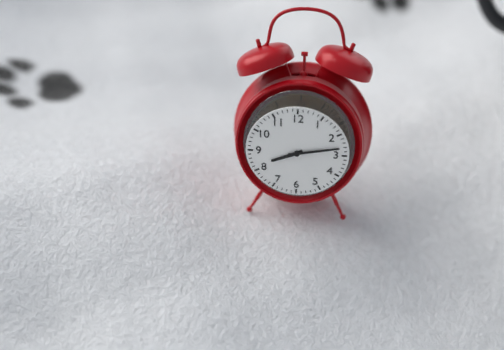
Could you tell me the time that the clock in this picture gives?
8:13
